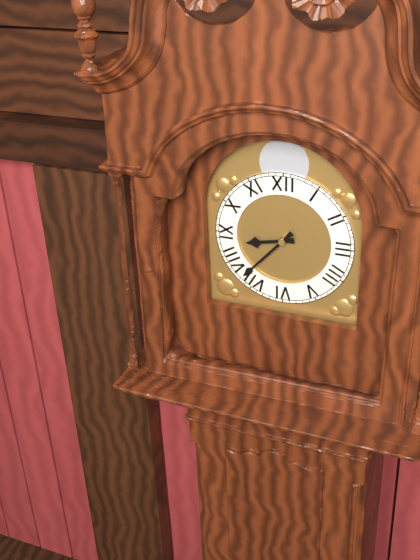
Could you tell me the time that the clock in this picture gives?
8:37
